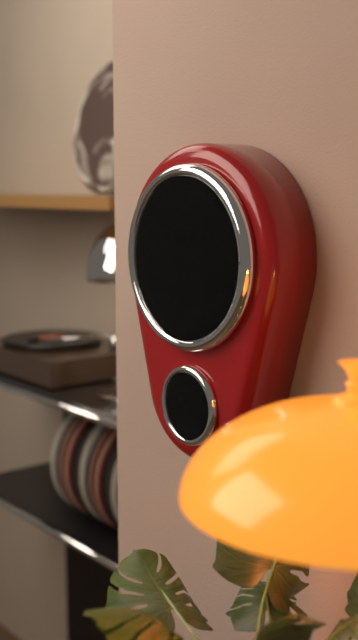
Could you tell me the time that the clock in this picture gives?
6:30:42
